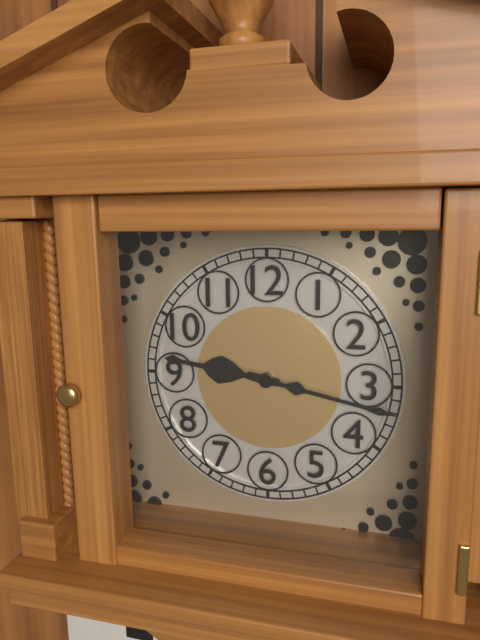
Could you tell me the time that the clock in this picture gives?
9:17
